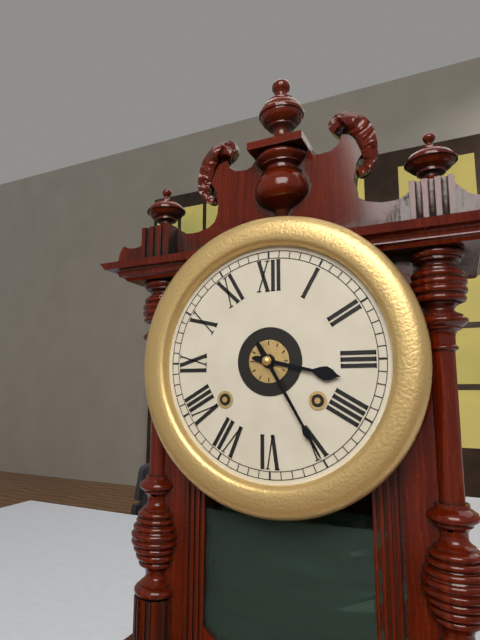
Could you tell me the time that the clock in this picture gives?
3:25
